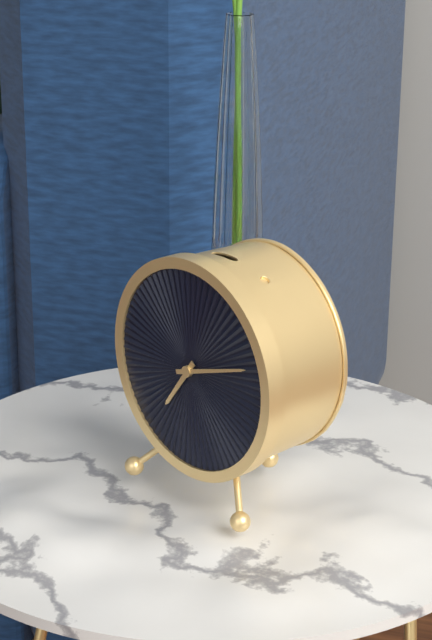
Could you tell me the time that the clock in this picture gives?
7:12
